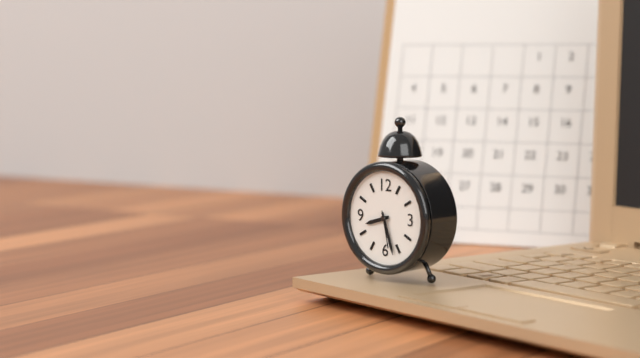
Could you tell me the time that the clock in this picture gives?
8:27
